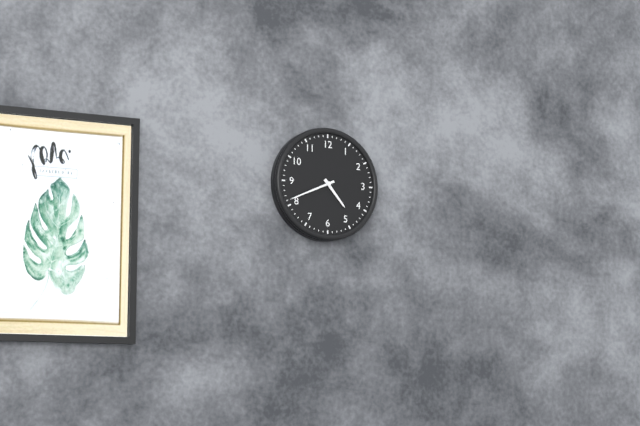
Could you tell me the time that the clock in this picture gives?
4:41
